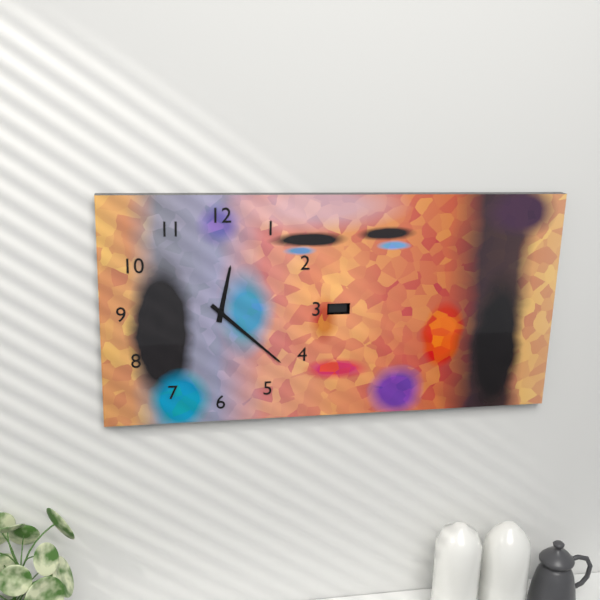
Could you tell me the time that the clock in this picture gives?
12:22
